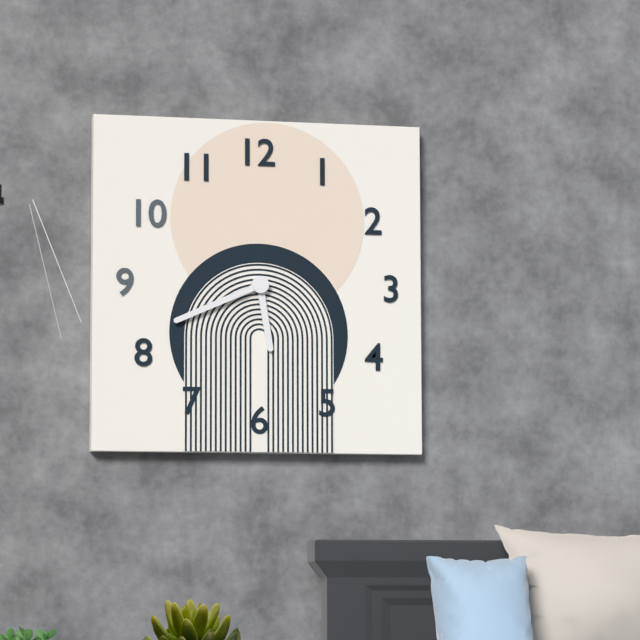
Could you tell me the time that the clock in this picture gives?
5:41
